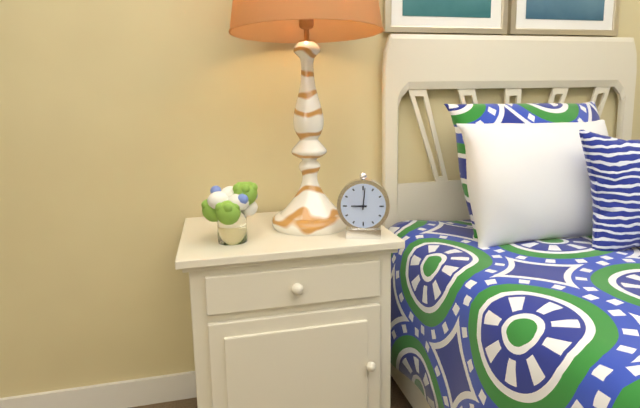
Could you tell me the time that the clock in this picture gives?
9:01
